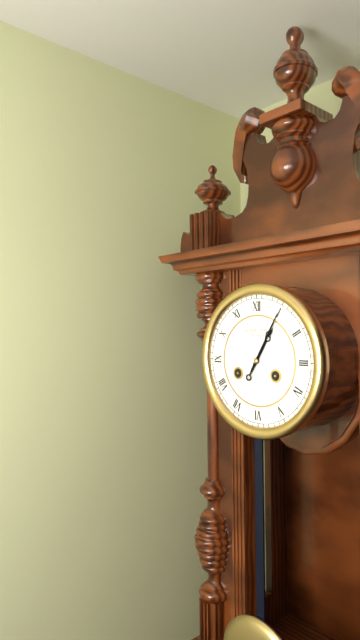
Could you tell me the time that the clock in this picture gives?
1:05
